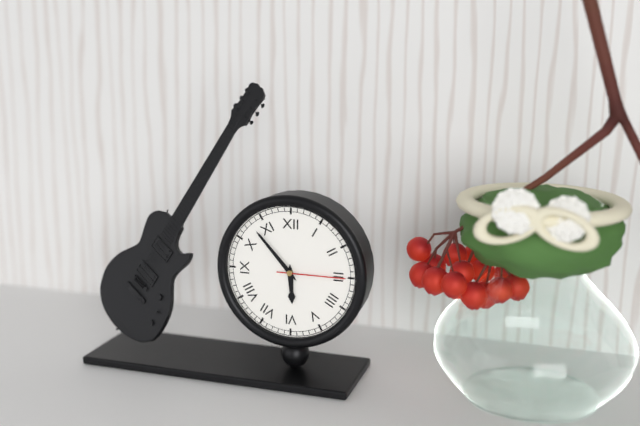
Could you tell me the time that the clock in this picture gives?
5:53:15
